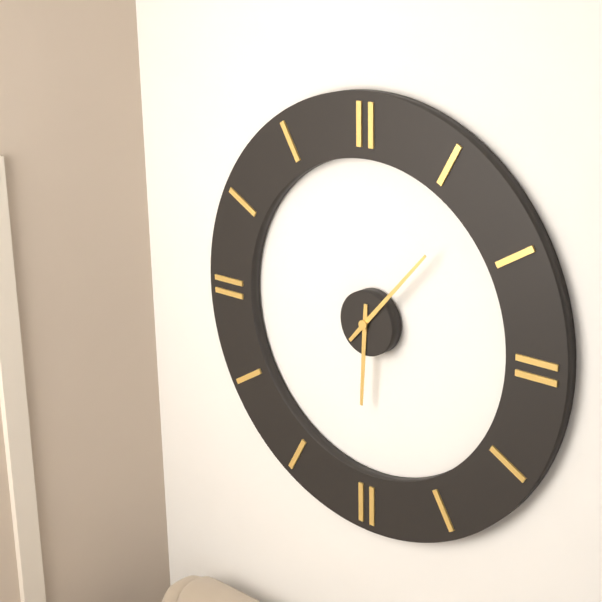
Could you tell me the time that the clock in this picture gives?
6:07
